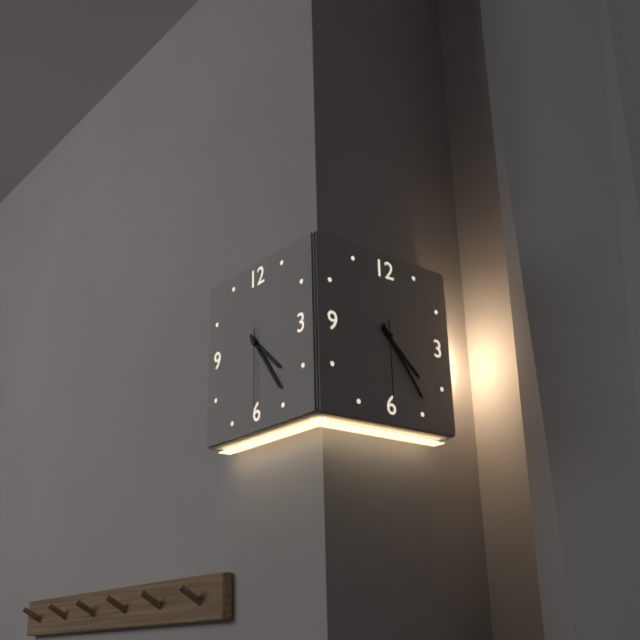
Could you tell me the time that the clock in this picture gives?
4:24:30
